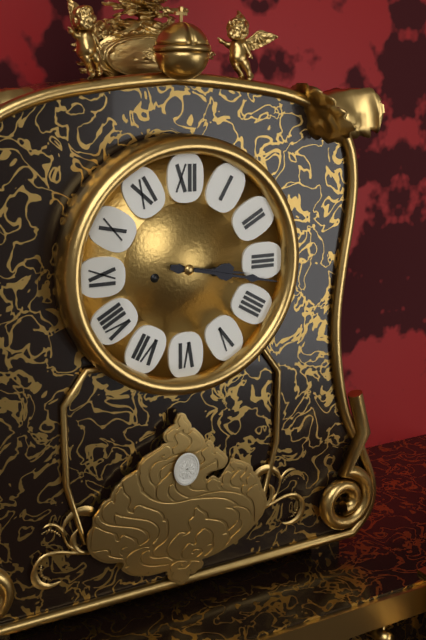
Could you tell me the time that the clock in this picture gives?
3:17
